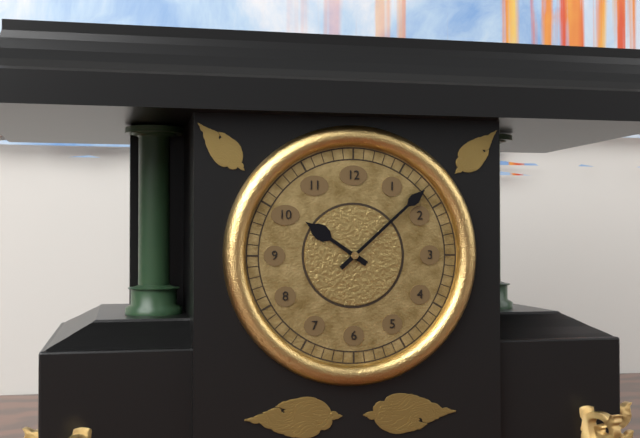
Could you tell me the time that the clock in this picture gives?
10:08
